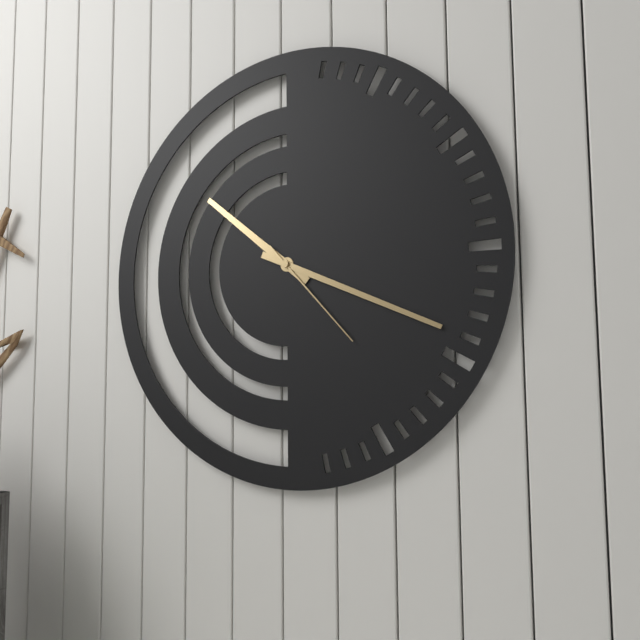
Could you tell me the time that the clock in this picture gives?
10:19:23
